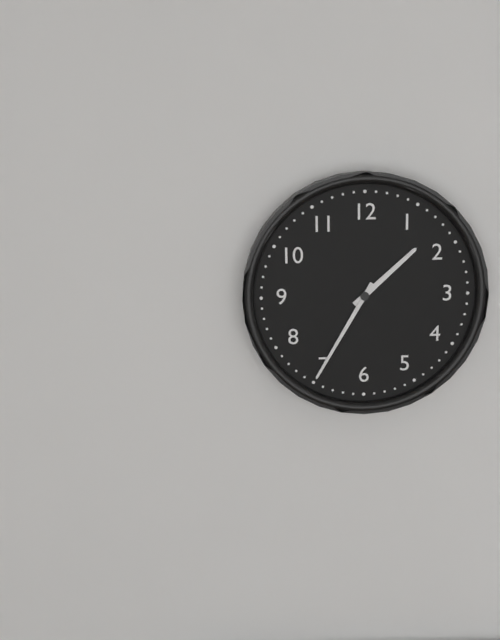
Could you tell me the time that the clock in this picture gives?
1:35
